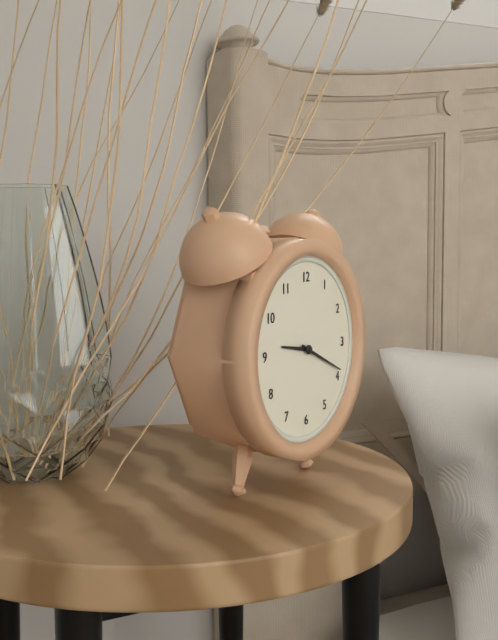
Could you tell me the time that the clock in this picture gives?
9:19
